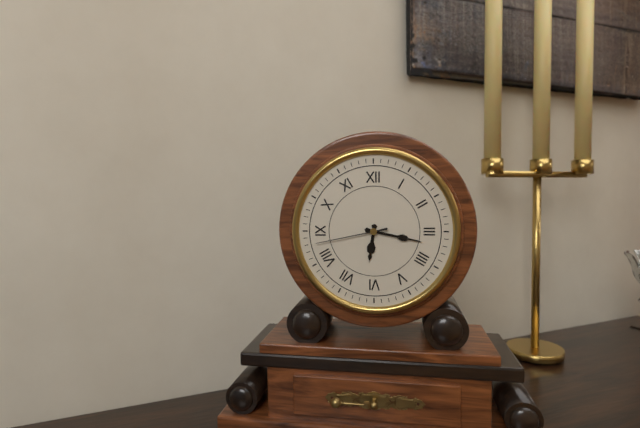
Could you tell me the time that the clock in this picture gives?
6:17:43
